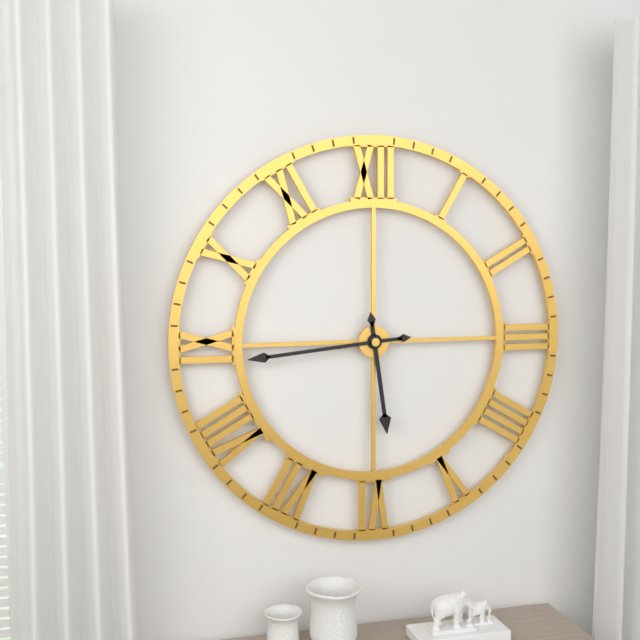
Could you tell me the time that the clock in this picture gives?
5:44
